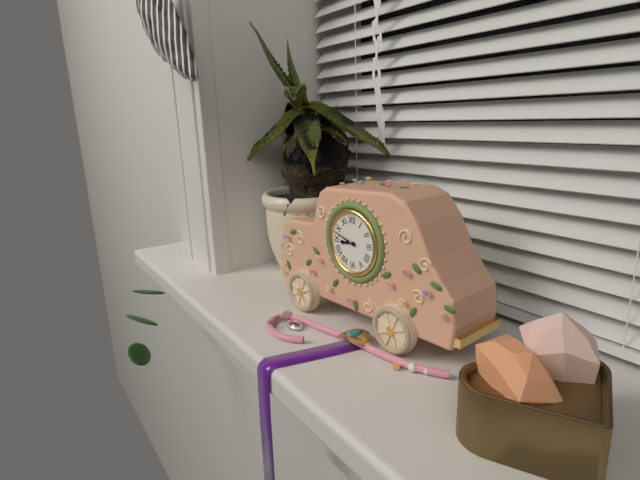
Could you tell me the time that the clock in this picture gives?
8:48
